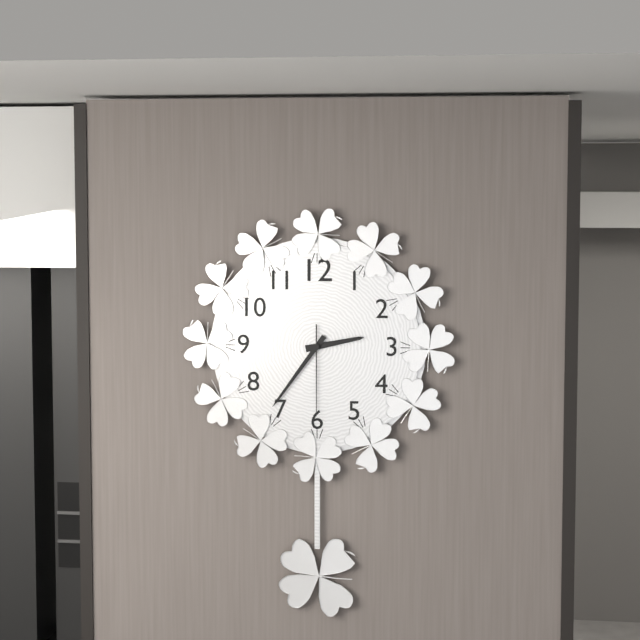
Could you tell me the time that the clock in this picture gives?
2:36:30
